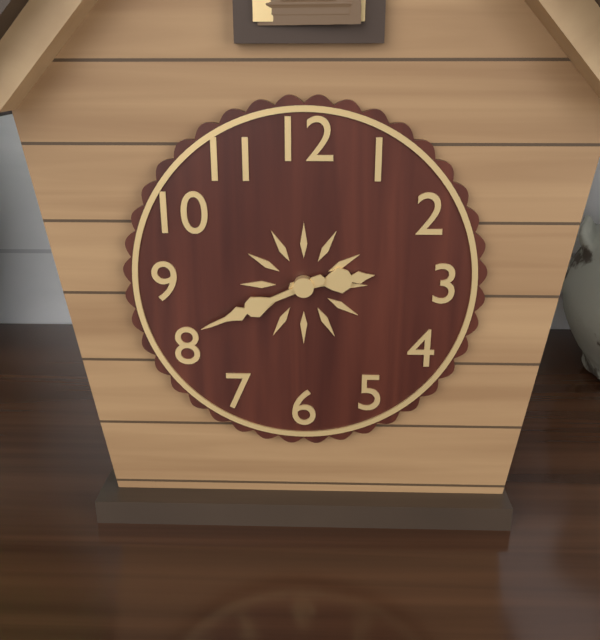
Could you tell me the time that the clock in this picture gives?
2:41
